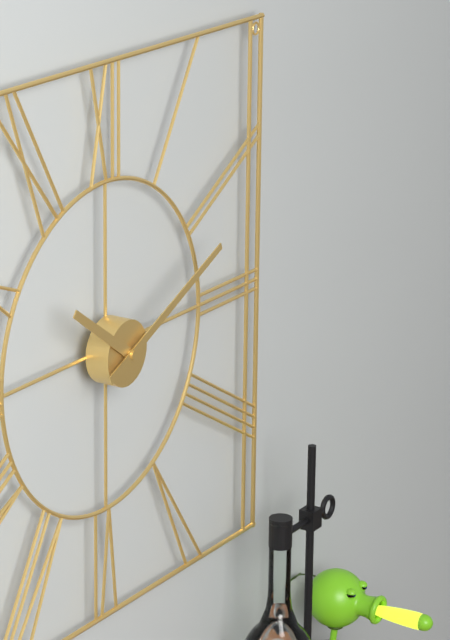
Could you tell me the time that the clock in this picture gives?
10:11
